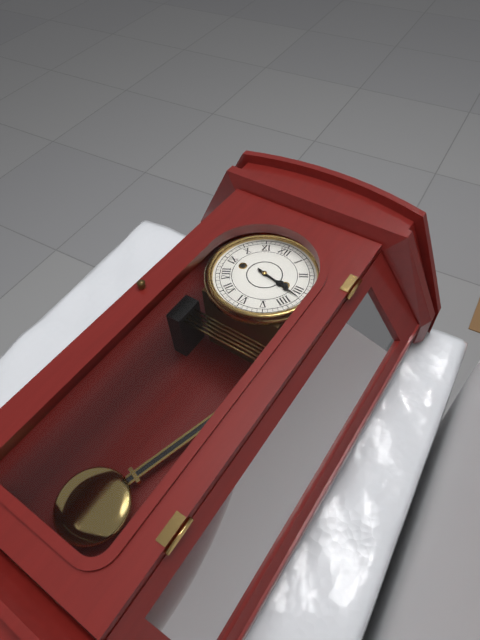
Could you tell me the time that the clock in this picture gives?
3:17
